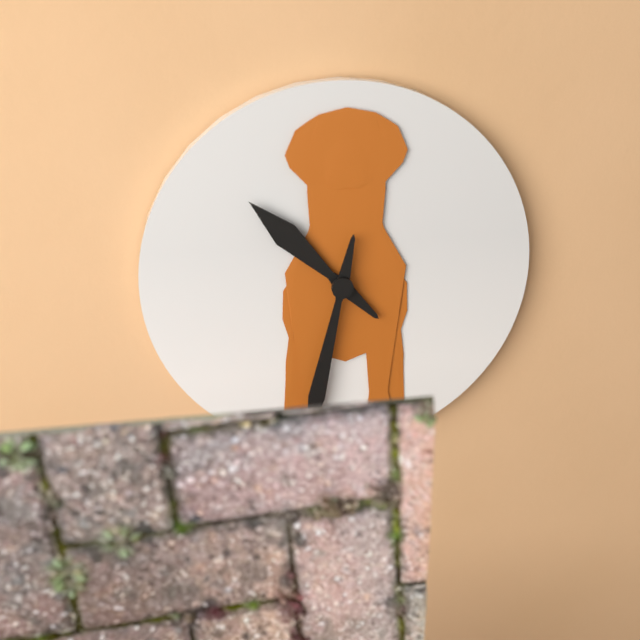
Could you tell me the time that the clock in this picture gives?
10:32
